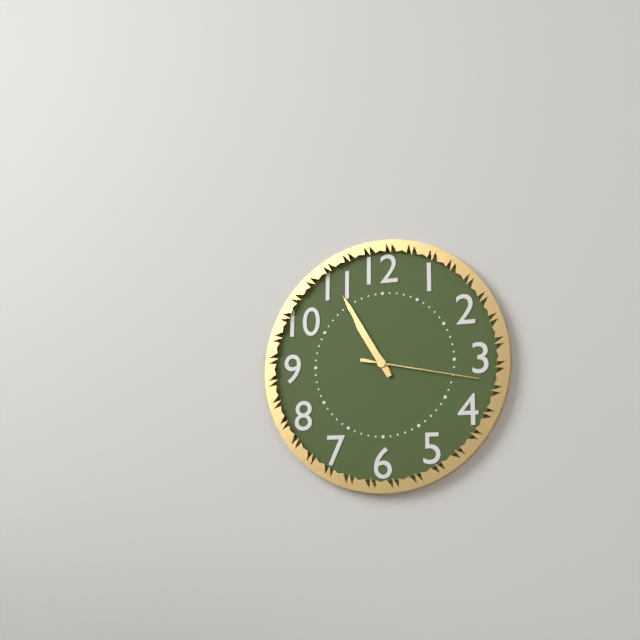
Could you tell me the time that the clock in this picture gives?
10:55:17
